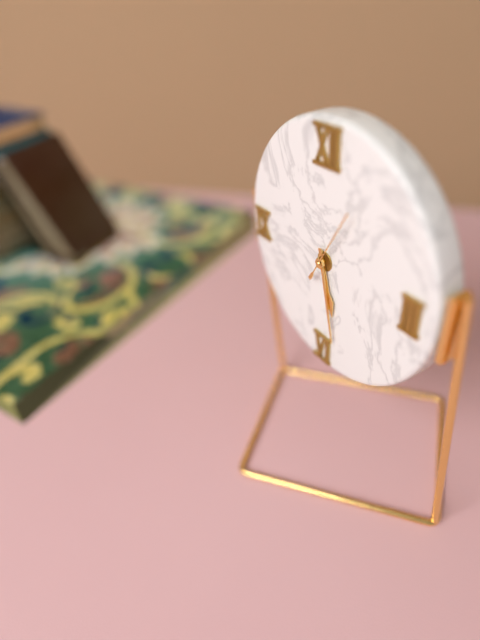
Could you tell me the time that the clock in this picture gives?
5:28:05
